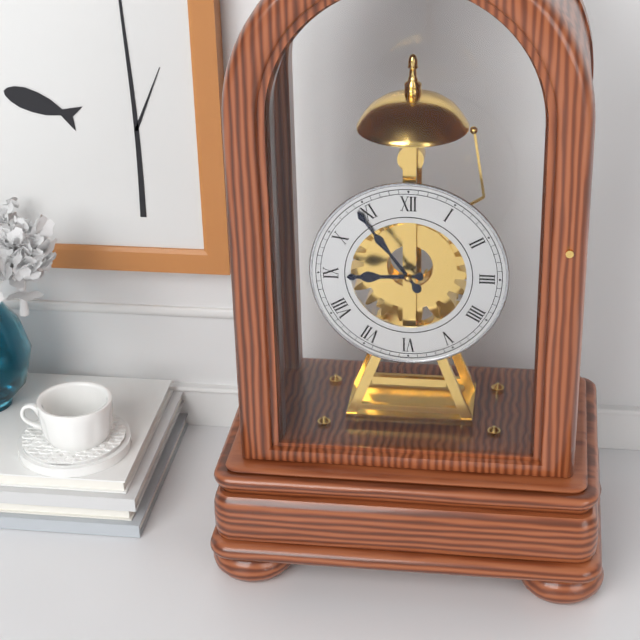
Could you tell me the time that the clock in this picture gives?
8:54
